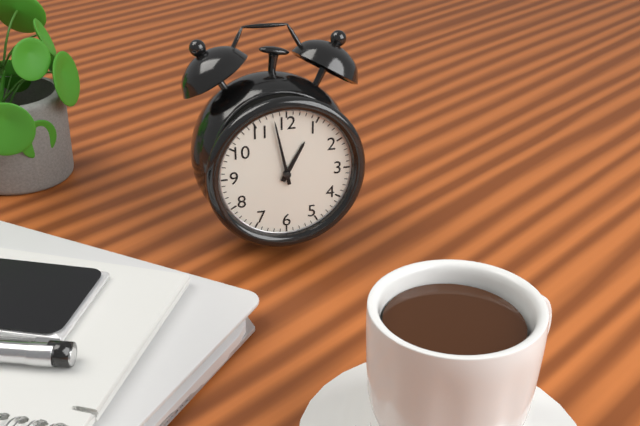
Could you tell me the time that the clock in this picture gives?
12:58
